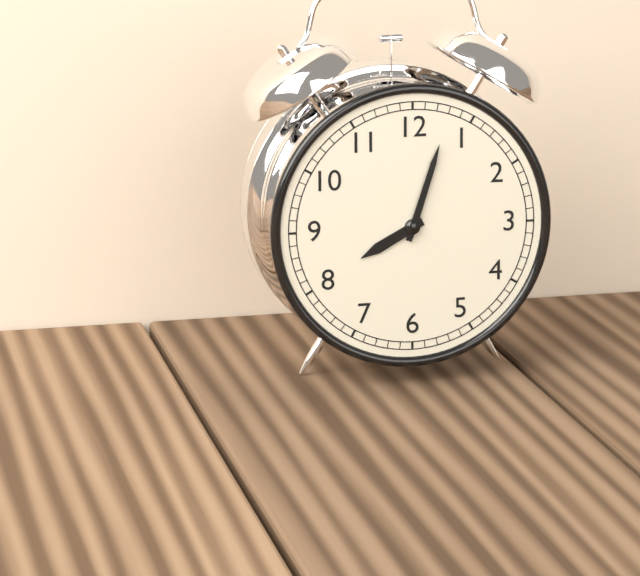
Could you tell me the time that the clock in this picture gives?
8:03
